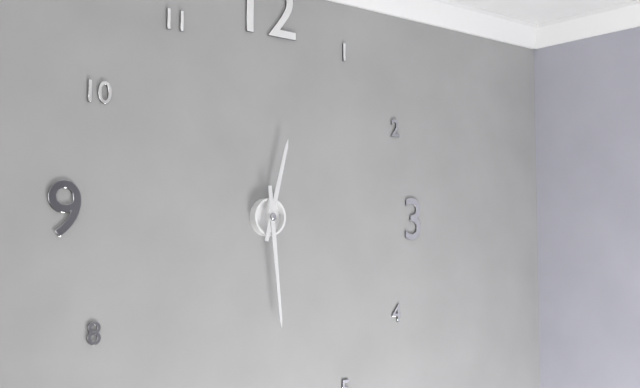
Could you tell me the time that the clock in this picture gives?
12:29
